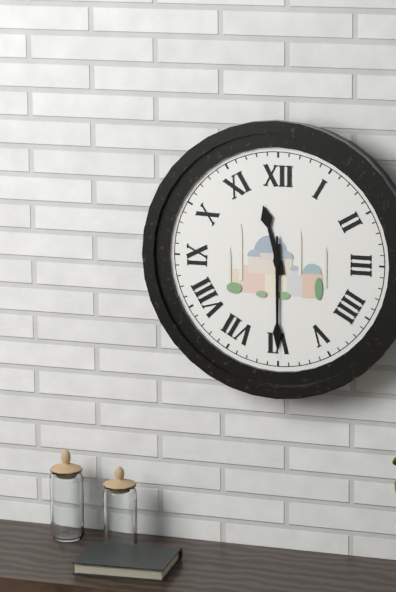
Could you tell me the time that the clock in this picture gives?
11:30:30
